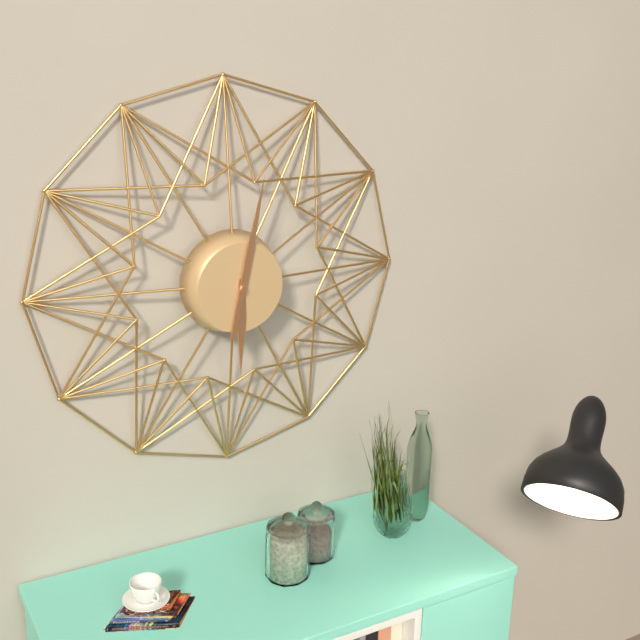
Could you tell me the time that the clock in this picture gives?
6:02
